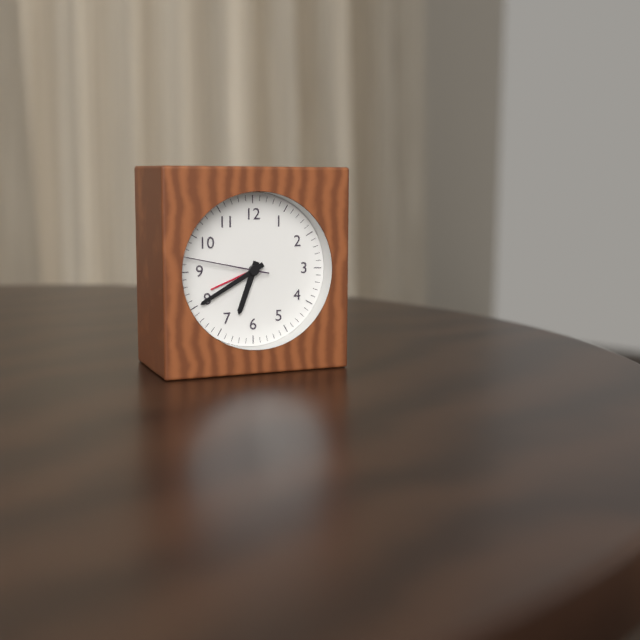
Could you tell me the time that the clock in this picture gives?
6:40:47
